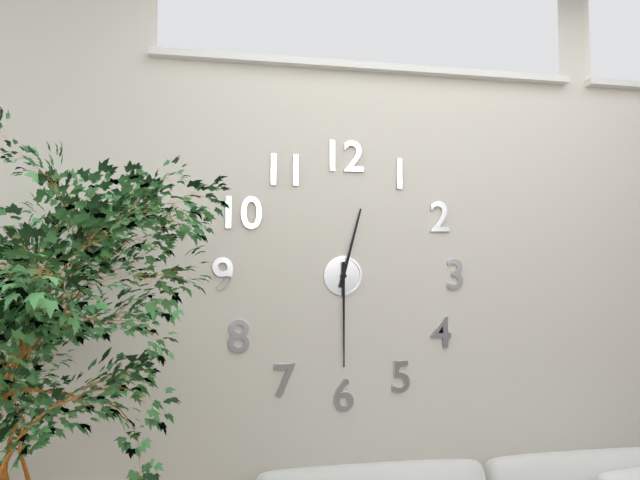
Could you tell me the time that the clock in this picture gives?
12:30
